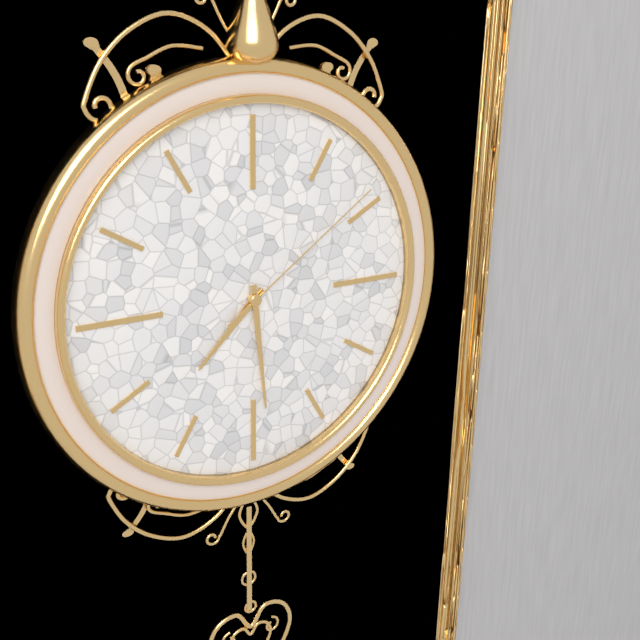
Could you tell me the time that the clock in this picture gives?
7:29:09
